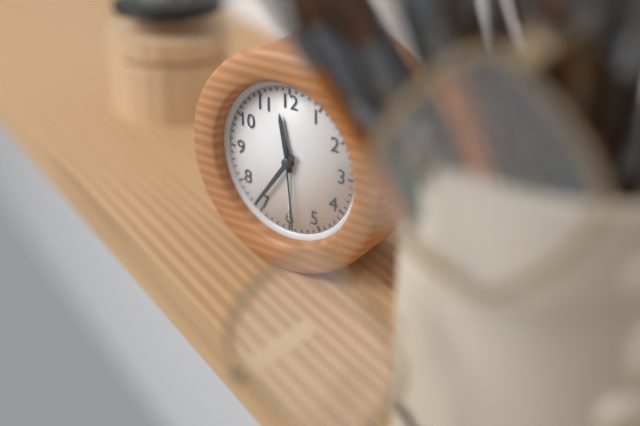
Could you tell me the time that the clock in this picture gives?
11:36:29
